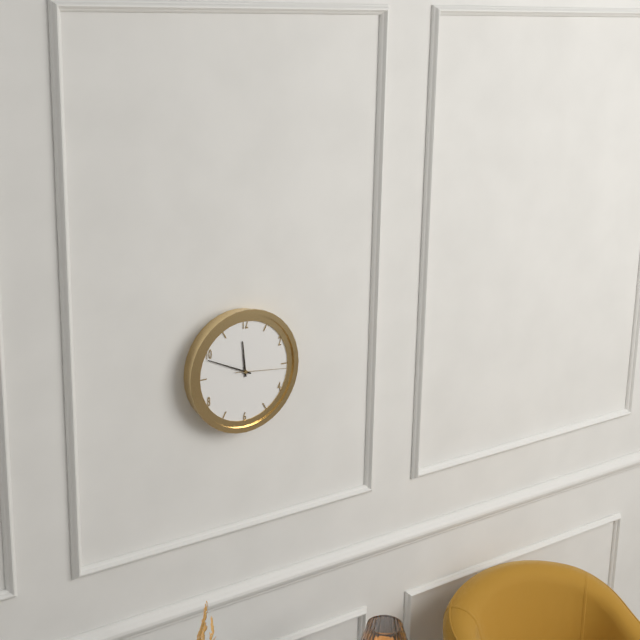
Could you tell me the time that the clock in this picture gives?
11:49:16
